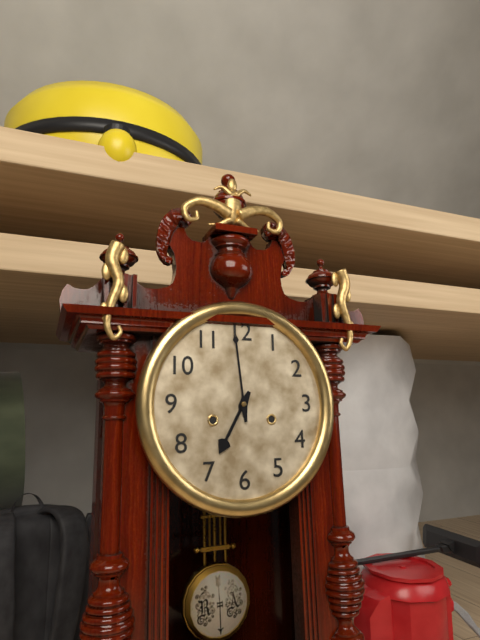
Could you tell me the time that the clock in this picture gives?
6:59
